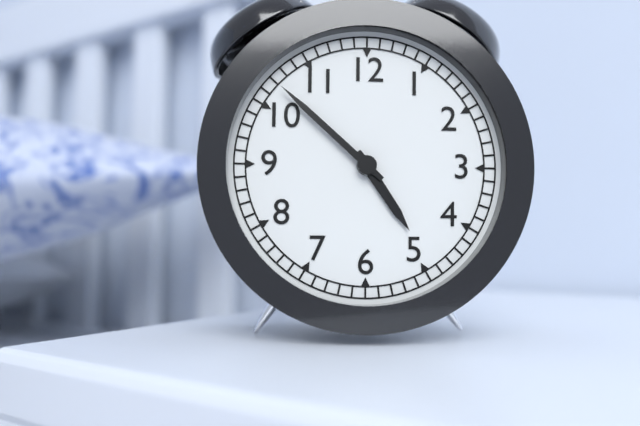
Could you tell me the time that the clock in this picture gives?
4:52
